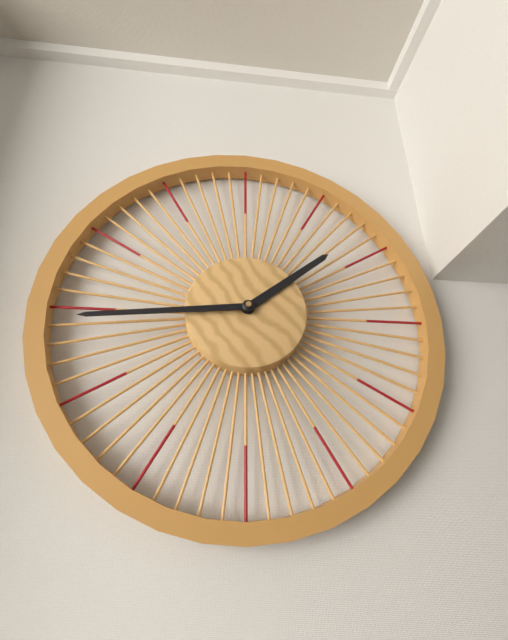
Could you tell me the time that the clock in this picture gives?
1:44
